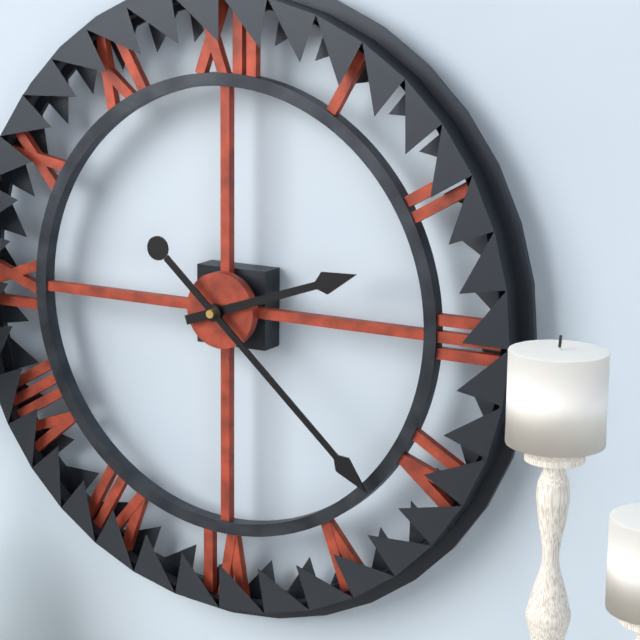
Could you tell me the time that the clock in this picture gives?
2:22
